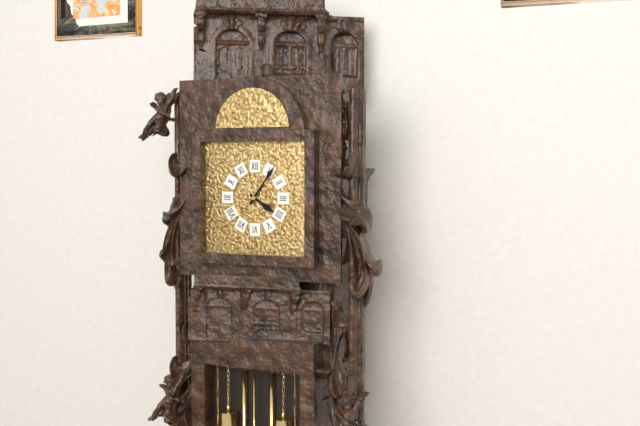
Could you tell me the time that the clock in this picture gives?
4:06
